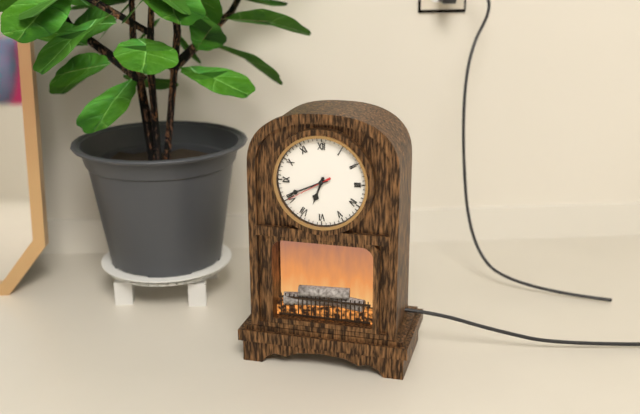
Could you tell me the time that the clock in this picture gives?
6:41:40
